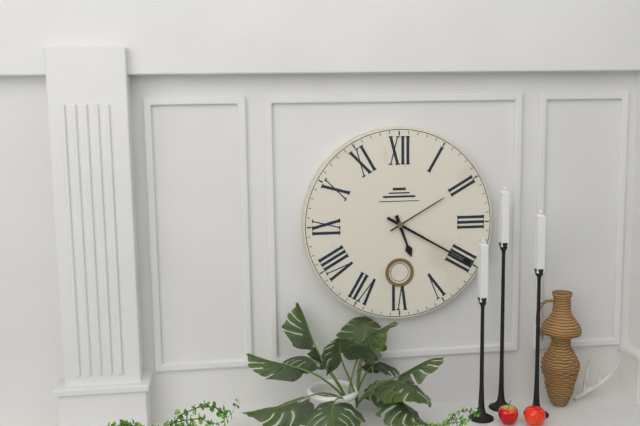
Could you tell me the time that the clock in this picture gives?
5:20:10
